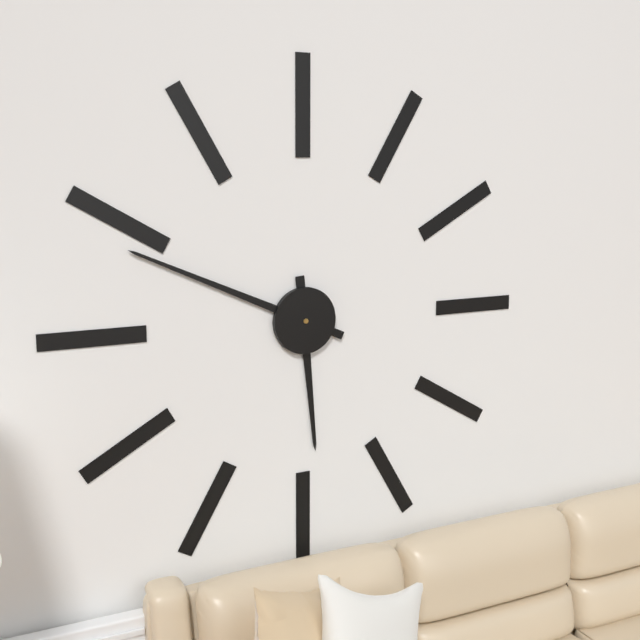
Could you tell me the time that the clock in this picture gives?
5:49
